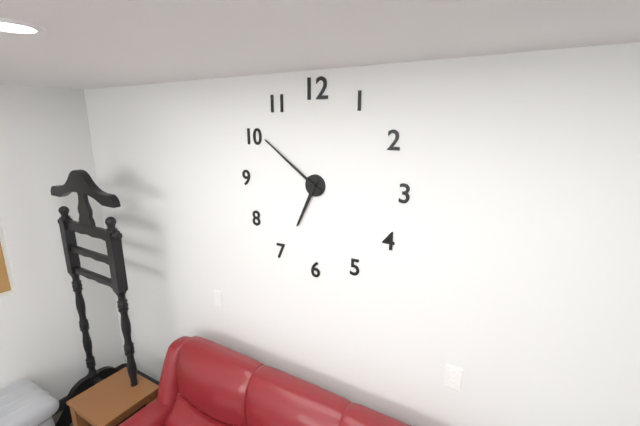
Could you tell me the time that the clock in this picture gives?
6:51
